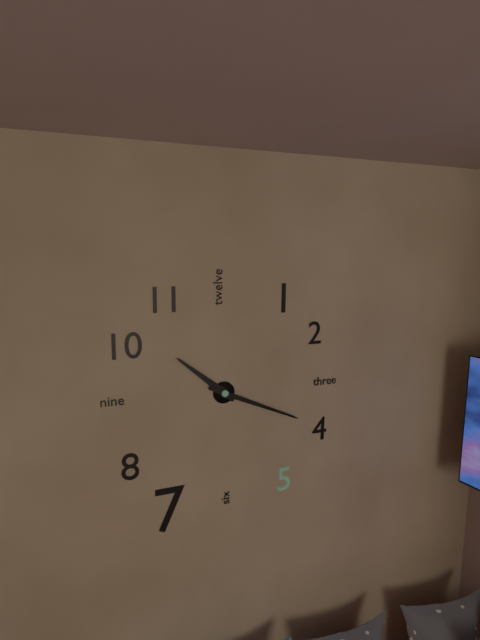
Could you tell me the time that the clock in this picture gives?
10:19
